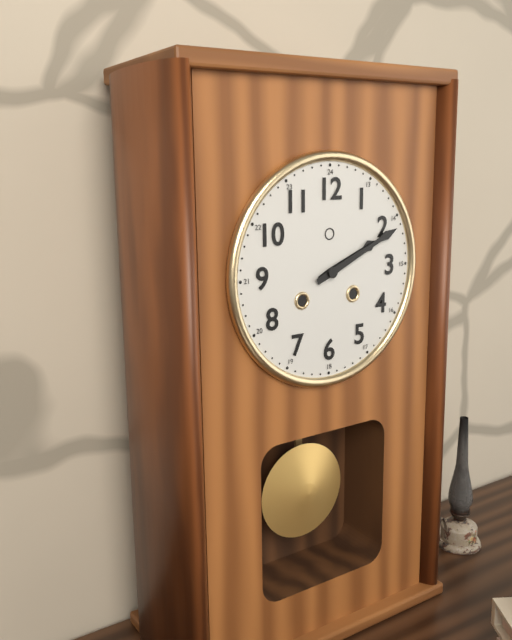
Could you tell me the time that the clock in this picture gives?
2:11
